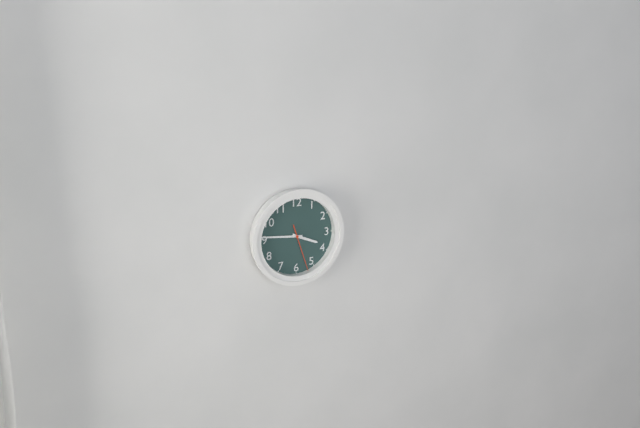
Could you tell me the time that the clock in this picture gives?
3:46
